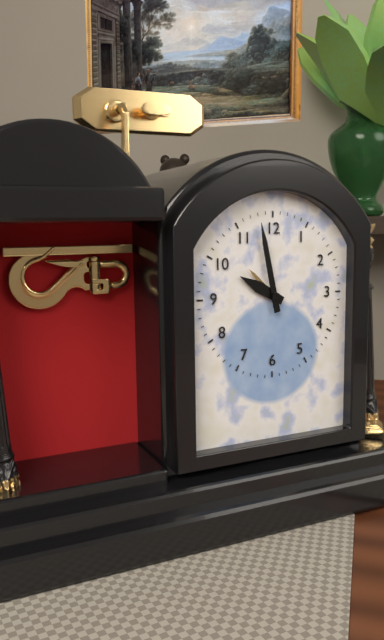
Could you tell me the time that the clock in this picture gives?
9:58
